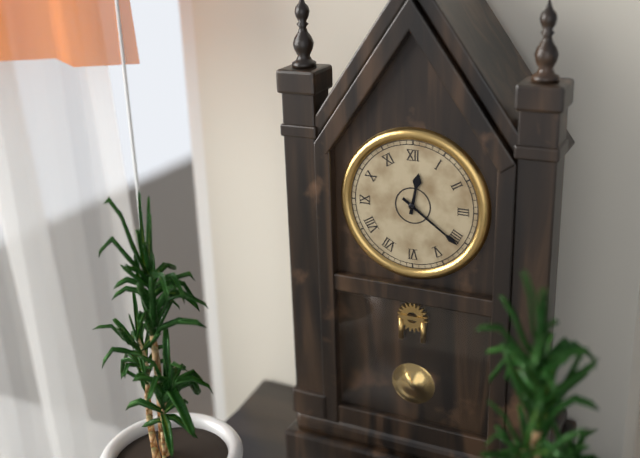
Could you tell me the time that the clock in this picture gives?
12:21
